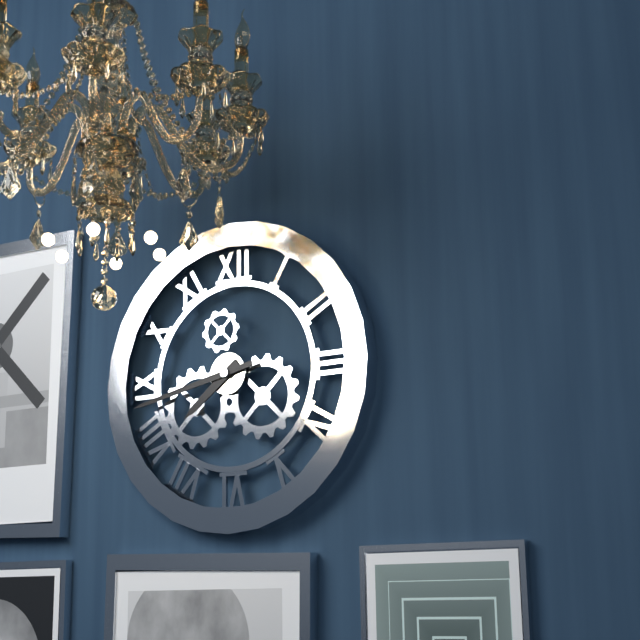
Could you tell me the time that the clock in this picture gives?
7:43
